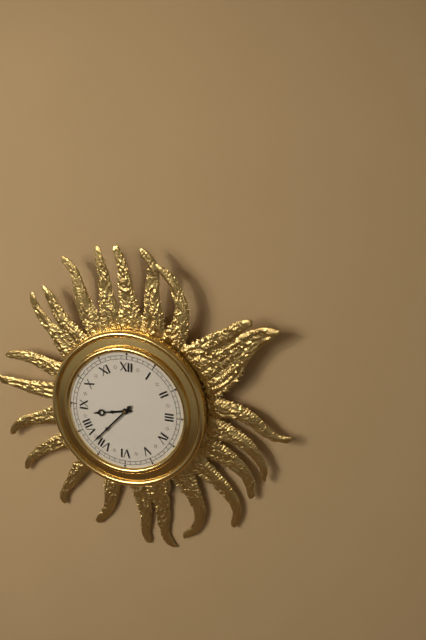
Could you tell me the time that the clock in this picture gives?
8:37
